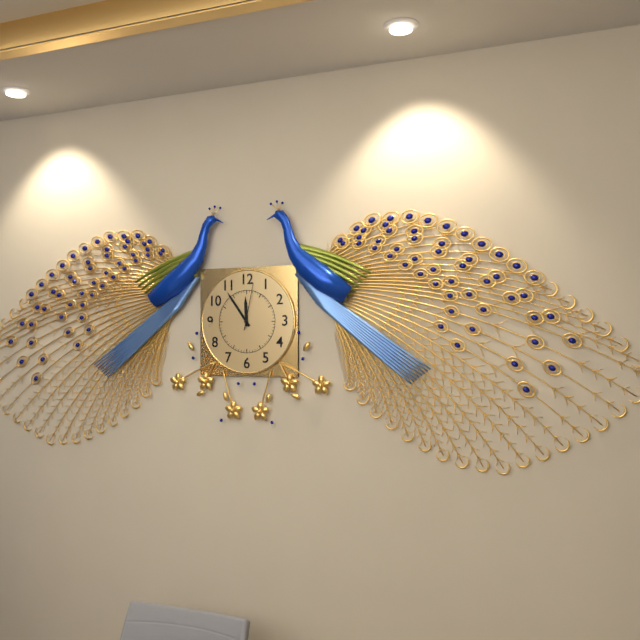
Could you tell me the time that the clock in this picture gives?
11:54
